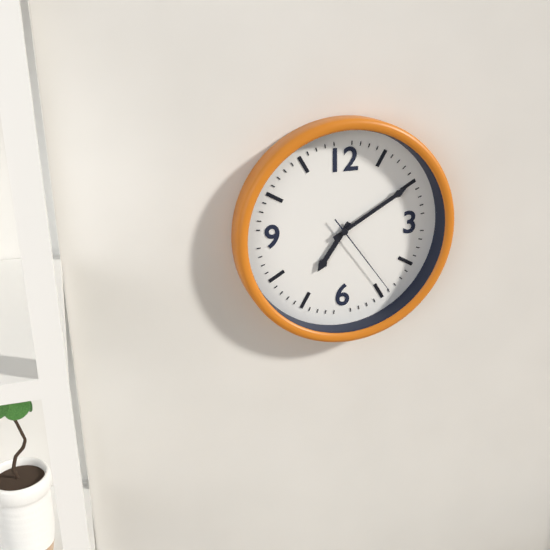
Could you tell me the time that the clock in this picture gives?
7:10:24
